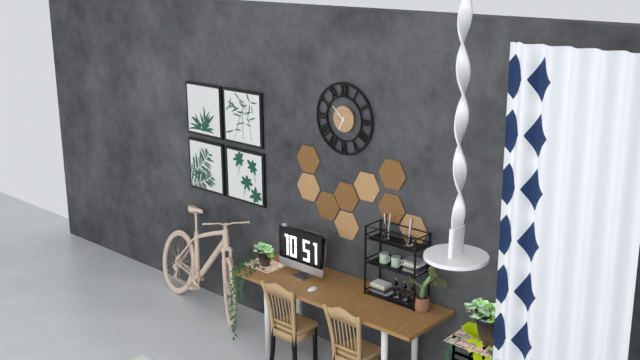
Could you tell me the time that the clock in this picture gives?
6:52
